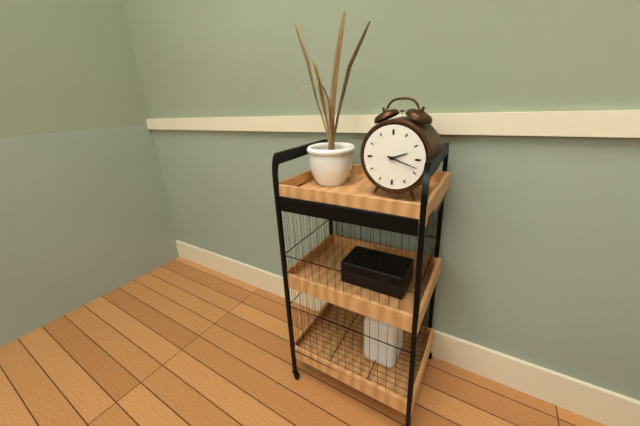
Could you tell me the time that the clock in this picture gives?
2:18
